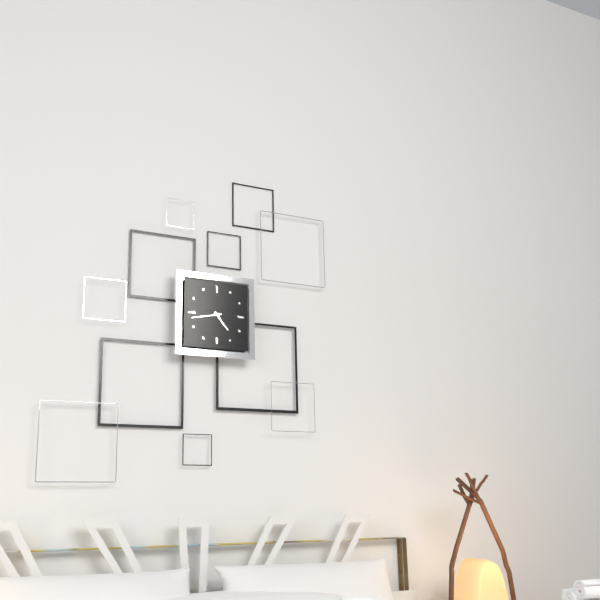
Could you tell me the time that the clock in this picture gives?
4:43
